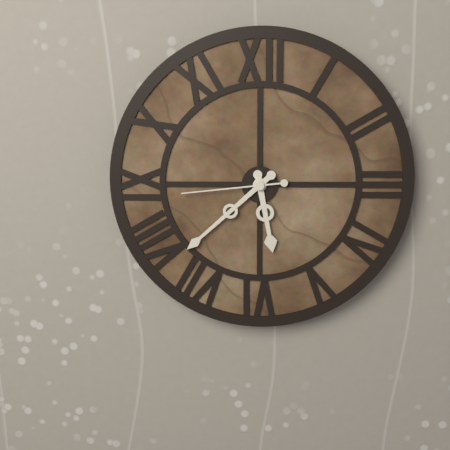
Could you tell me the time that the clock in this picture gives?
5:38:44
